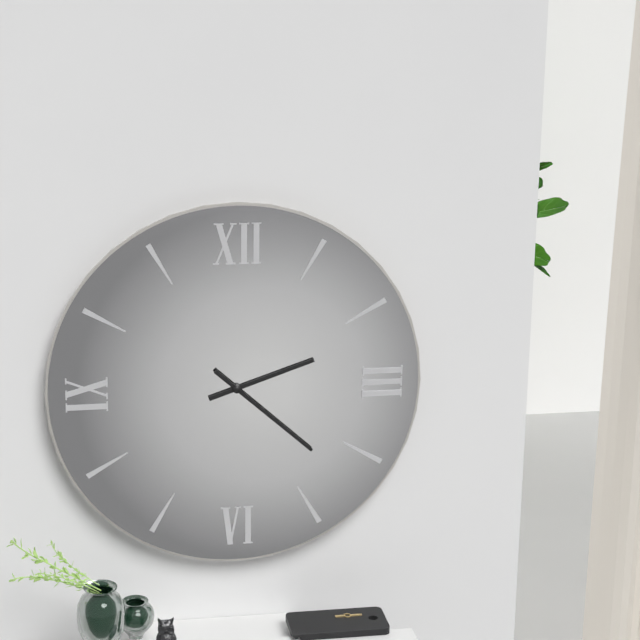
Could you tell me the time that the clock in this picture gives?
2:22
